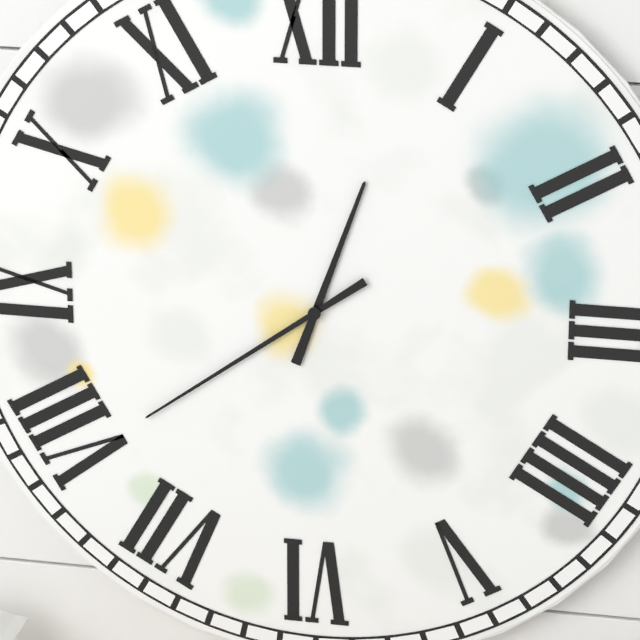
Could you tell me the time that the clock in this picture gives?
12:39
